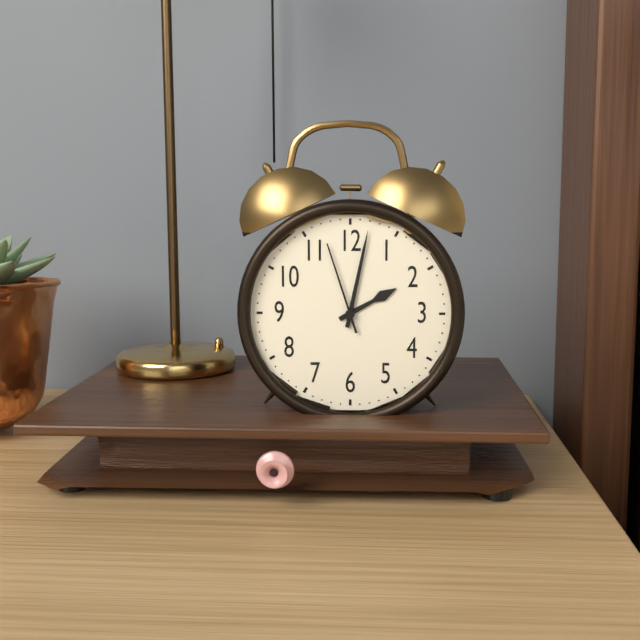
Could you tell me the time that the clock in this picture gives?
2:02:57
